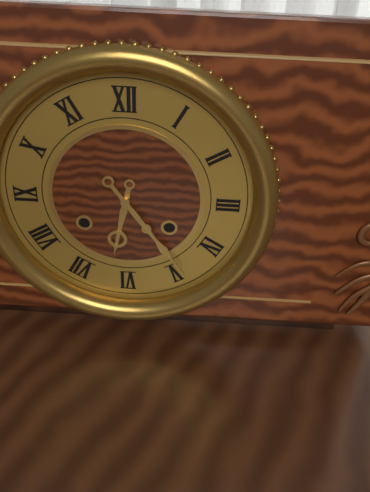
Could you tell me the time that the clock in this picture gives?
6:24
